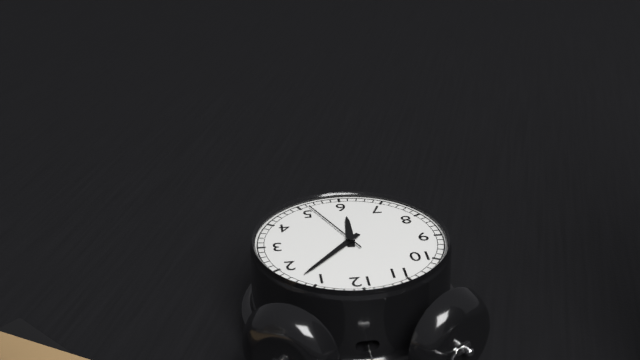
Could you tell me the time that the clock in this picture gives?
6:07:26
